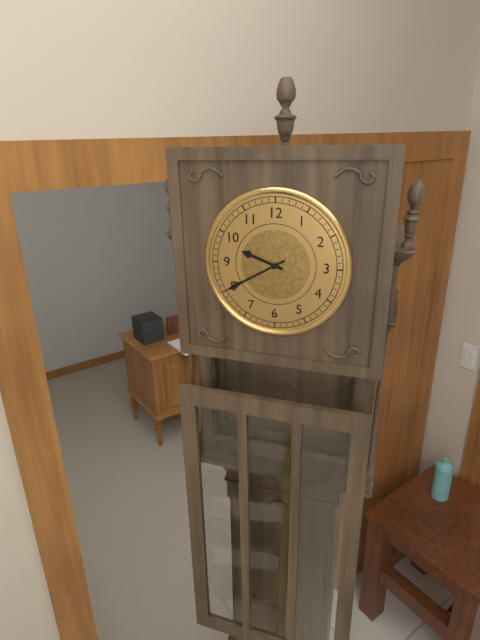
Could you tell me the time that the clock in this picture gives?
9:40
